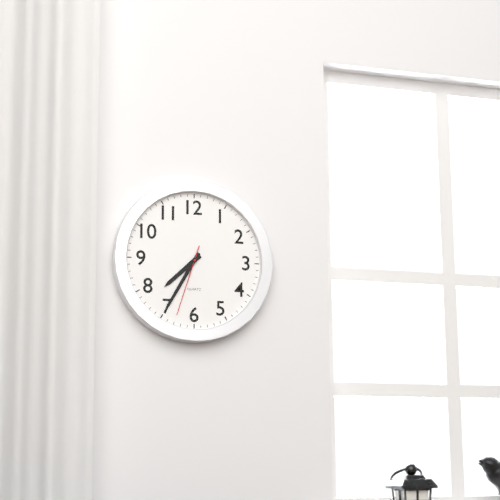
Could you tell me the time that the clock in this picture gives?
7:35:33
